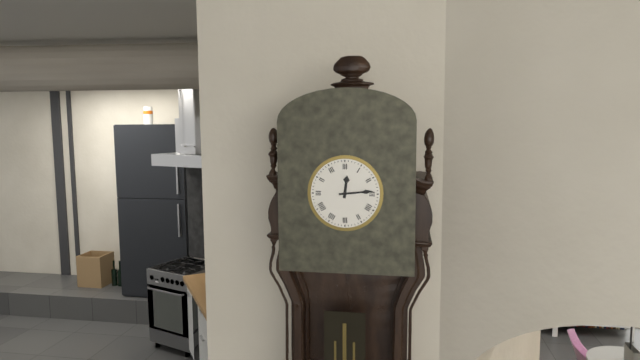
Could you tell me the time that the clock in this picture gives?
12:14
